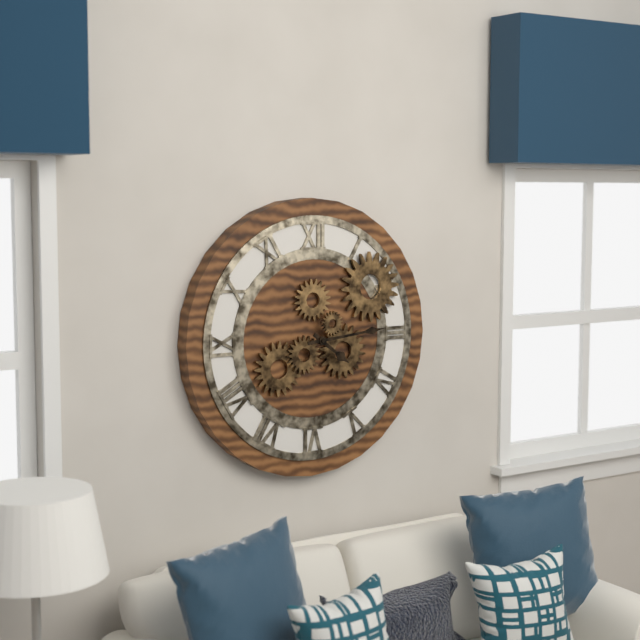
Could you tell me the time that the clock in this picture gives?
4:14
